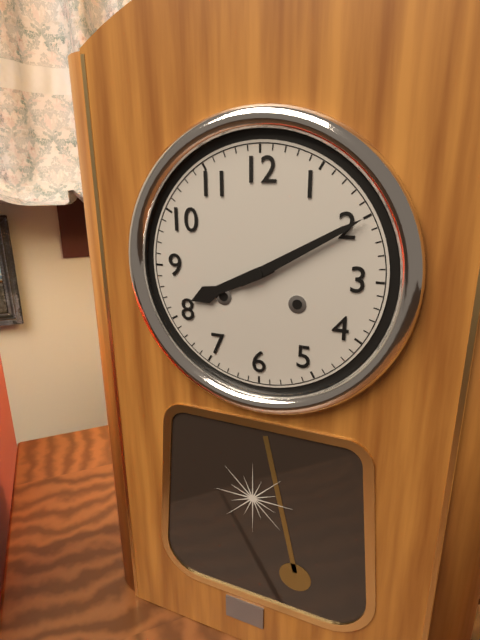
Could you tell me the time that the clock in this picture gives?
8:10
